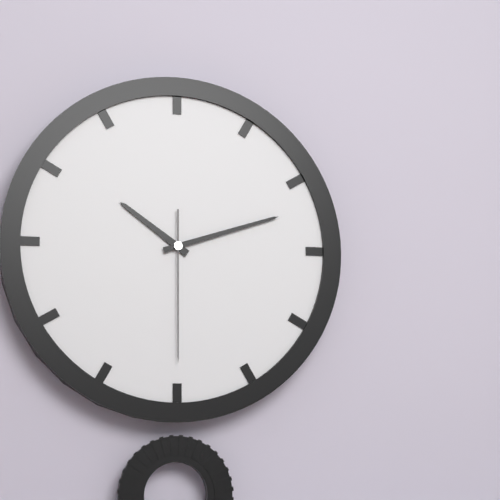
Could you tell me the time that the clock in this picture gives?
10:12:30
